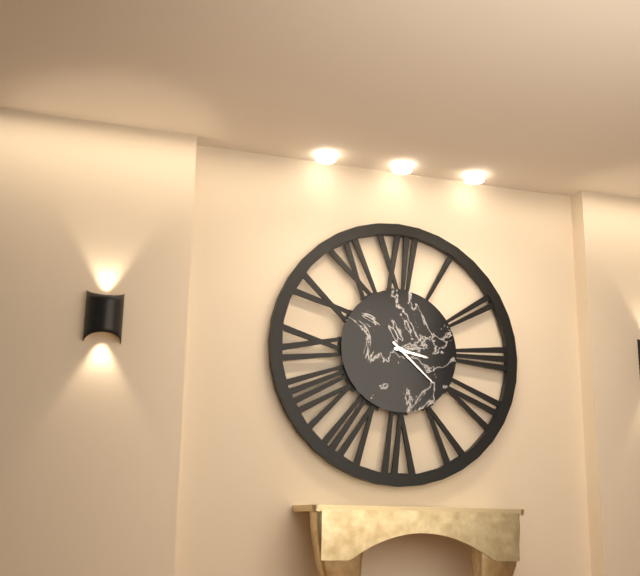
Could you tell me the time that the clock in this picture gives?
3:22
